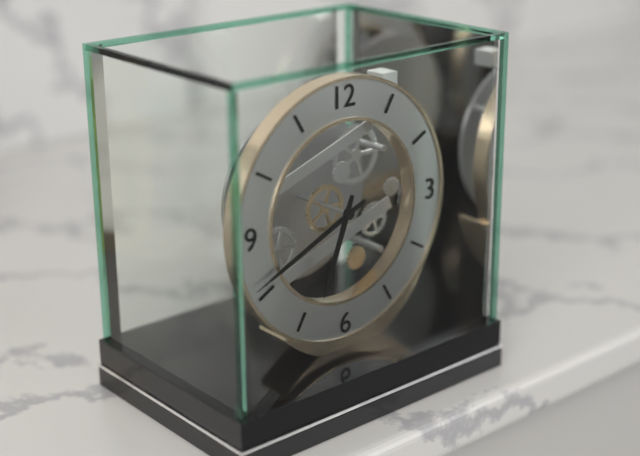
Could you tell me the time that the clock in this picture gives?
6:41
